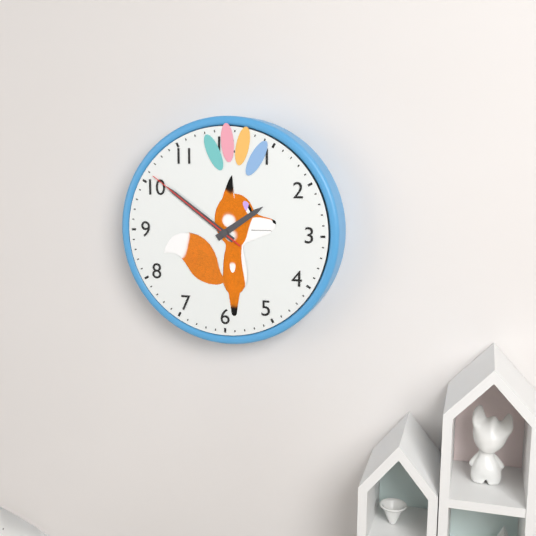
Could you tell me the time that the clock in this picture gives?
1:51:51
